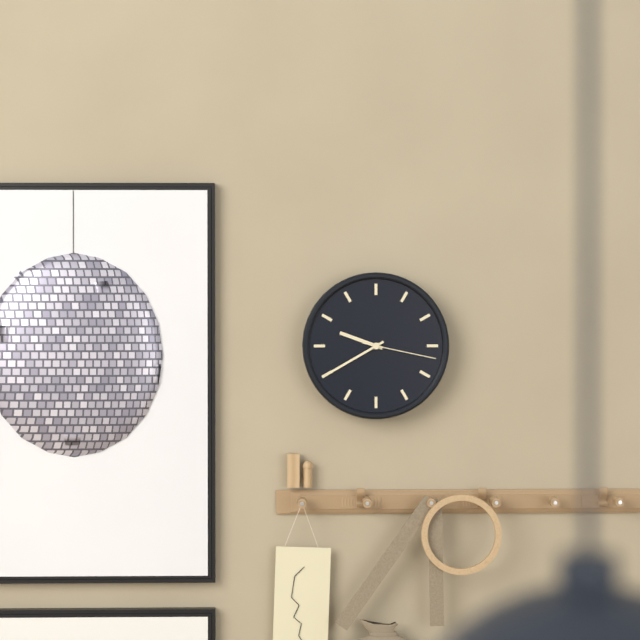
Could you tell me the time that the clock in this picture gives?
9:40:17
